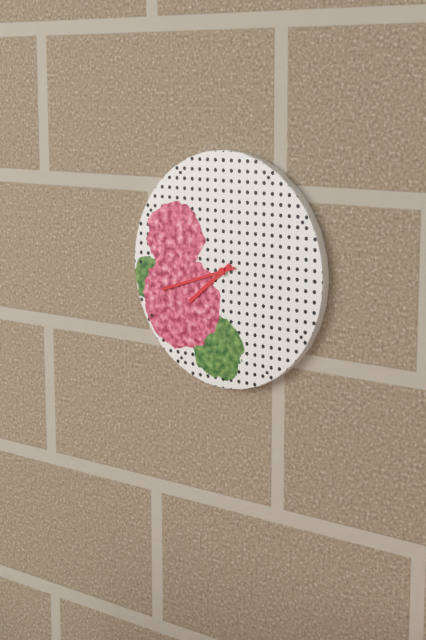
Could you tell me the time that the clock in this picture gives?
7:42
